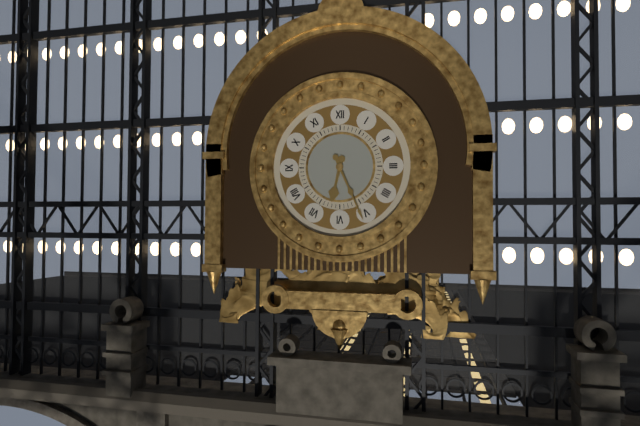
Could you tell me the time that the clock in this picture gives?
6:26
